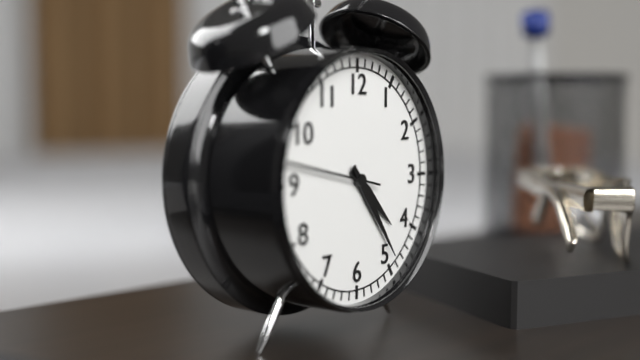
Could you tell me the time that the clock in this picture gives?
4:24
